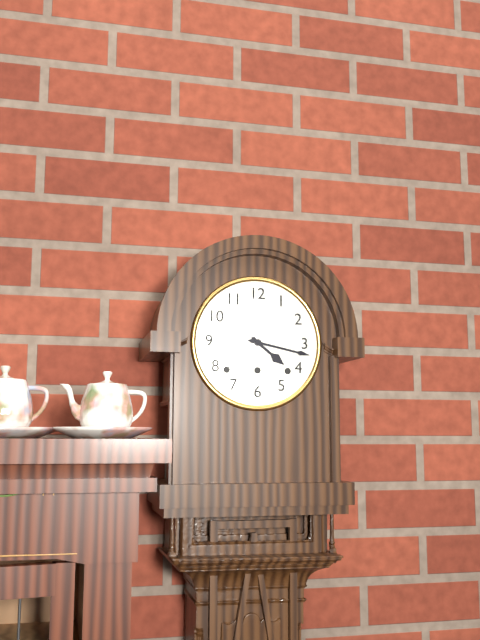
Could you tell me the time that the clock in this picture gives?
4:17
